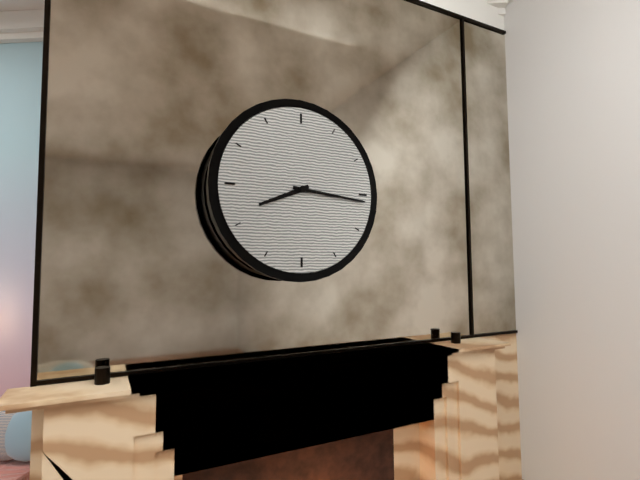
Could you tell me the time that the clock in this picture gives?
8:16
